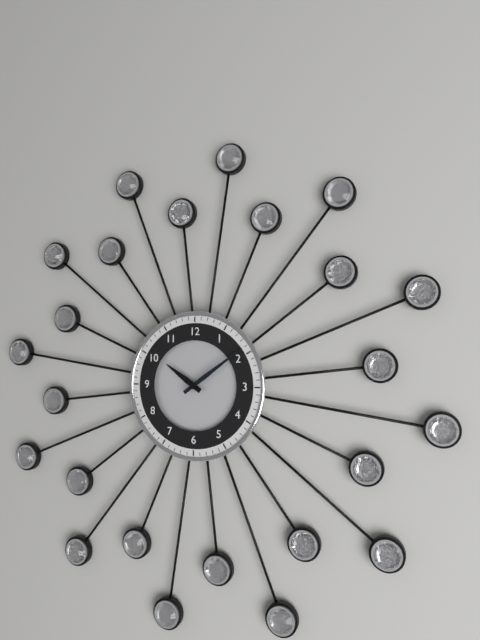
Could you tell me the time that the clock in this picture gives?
10:09
